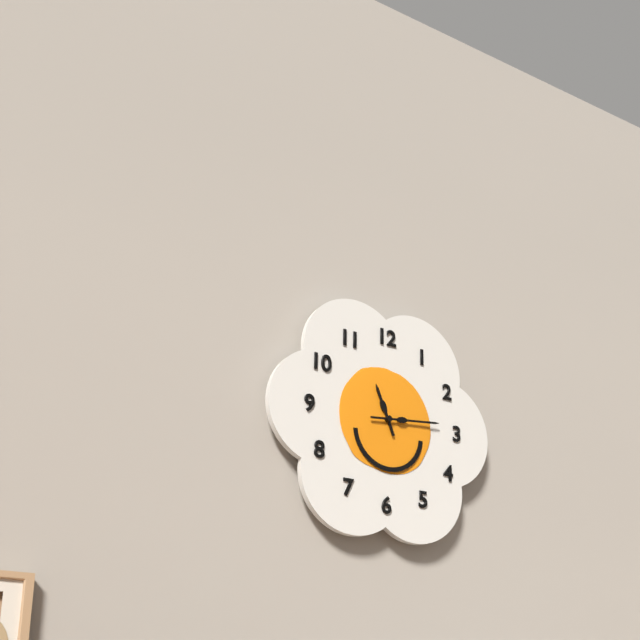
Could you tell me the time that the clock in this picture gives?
11:14
